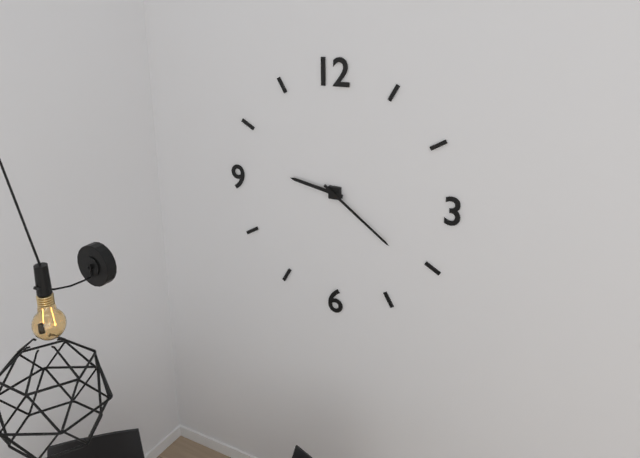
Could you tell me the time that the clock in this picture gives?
9:21
